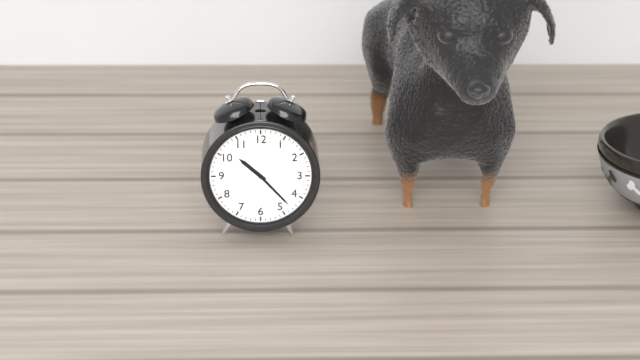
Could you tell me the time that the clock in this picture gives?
10:23
